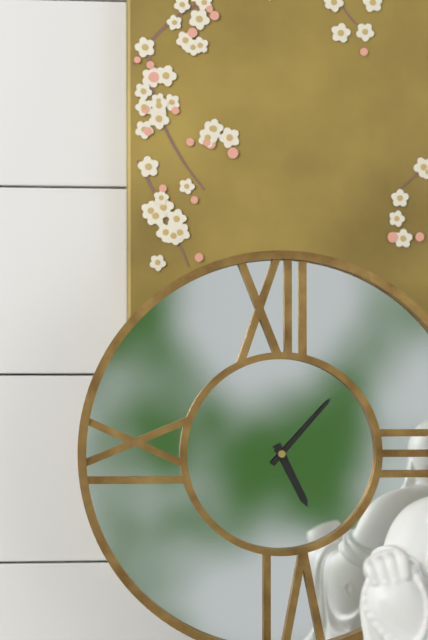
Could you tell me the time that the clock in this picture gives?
5:07
